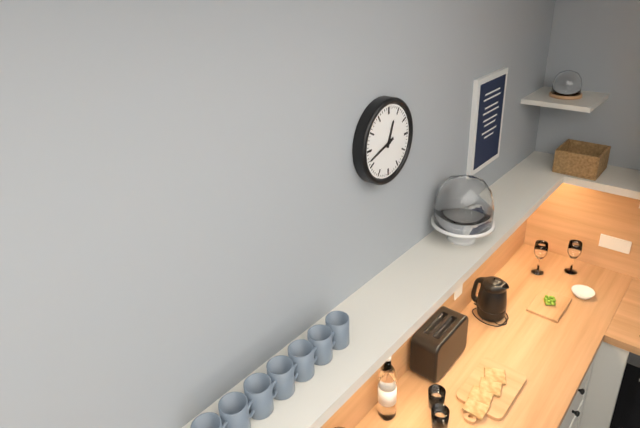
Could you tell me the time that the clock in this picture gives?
12:42
